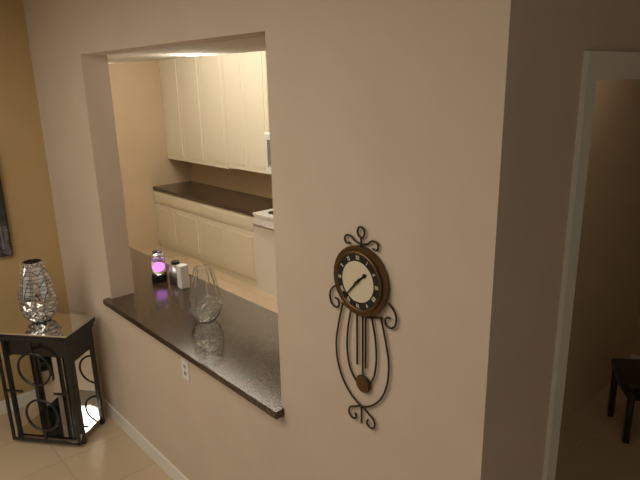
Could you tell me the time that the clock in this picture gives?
1:37
